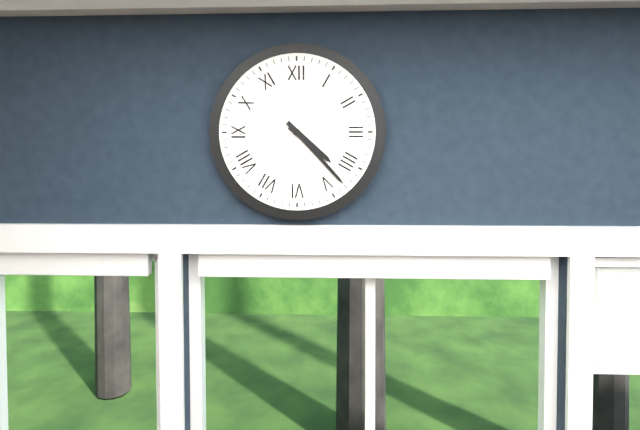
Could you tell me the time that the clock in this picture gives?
4:23
